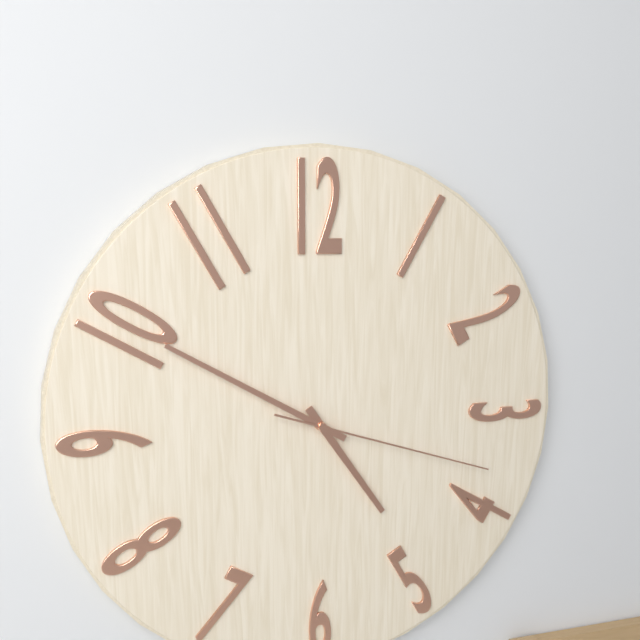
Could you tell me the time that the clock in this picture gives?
4:50:18
